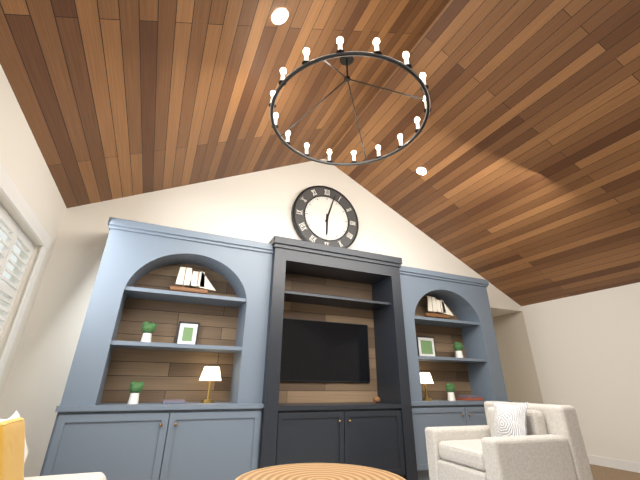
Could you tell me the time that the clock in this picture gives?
6:03
